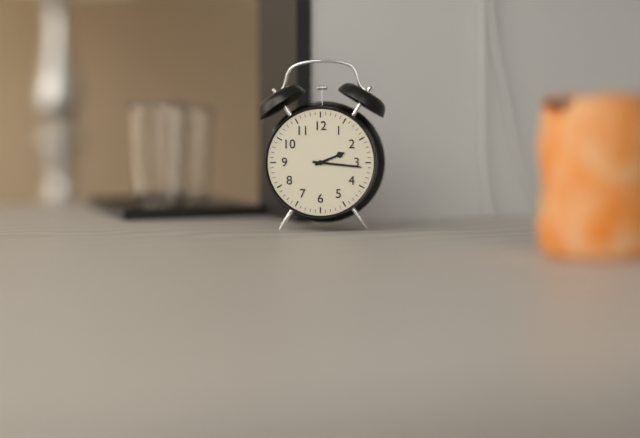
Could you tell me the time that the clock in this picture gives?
2:16
